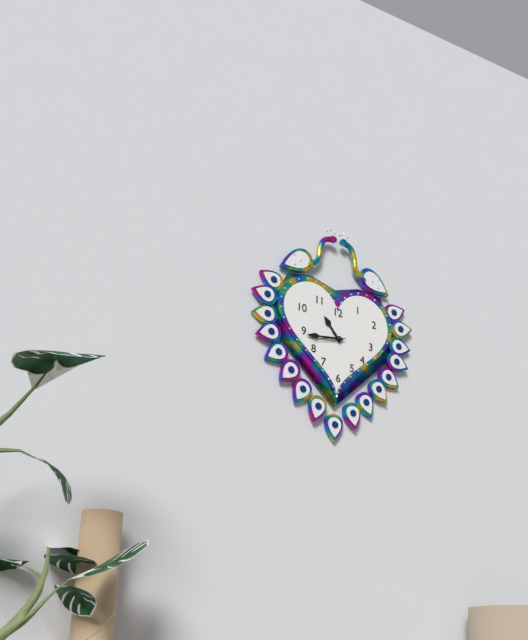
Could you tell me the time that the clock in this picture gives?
10:44
